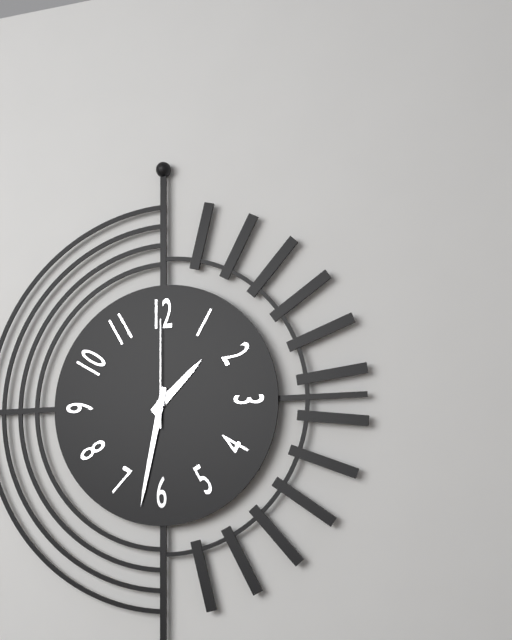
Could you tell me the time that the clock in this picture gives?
1:32:00
